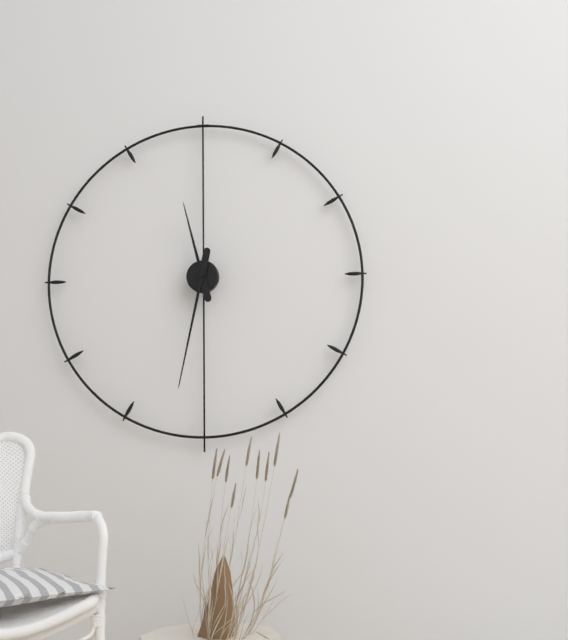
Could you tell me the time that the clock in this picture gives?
11:32
